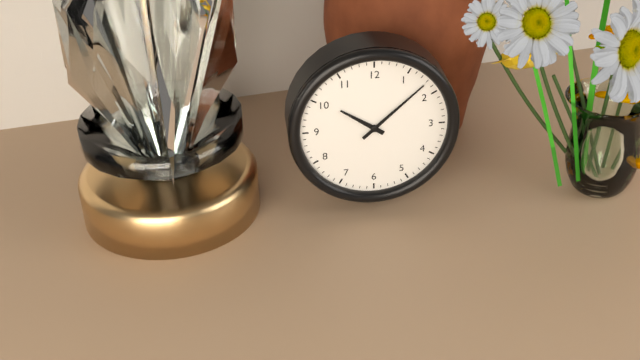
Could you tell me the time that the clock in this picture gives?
10:08
